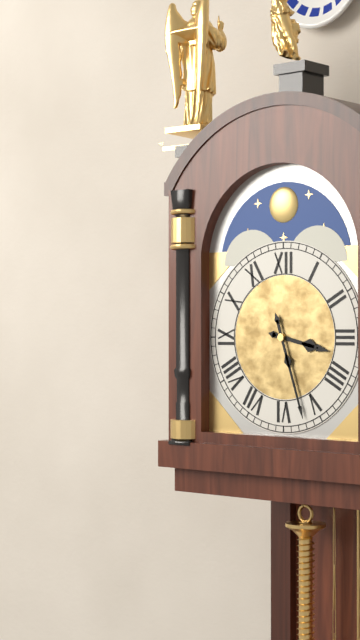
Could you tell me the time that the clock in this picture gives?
3:27
